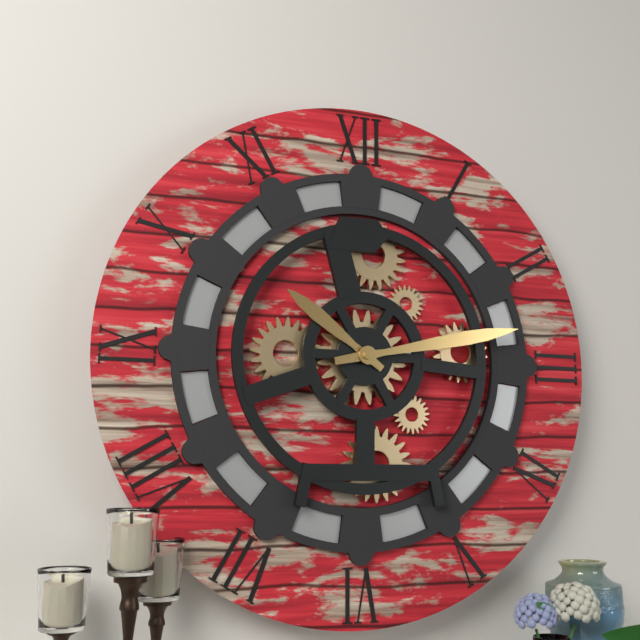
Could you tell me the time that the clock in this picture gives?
10:13
